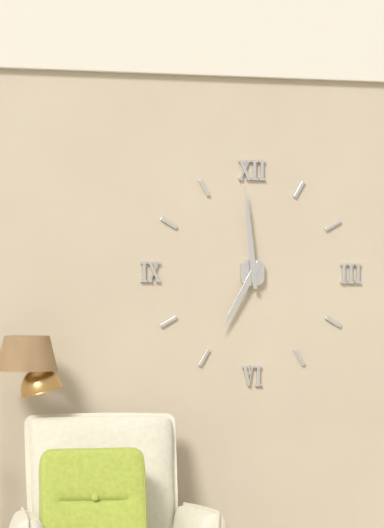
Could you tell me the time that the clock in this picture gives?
6:59
